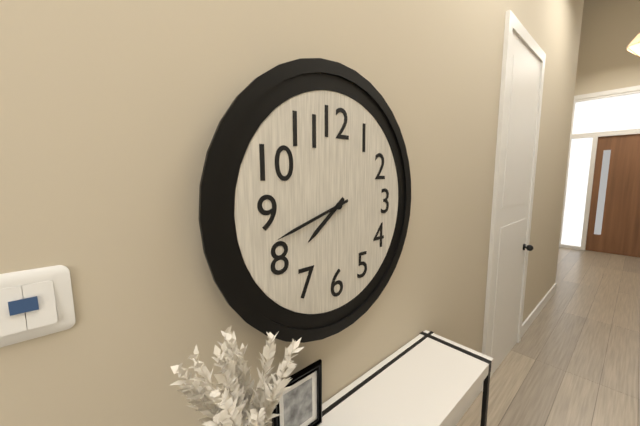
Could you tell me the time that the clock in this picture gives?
7:42
